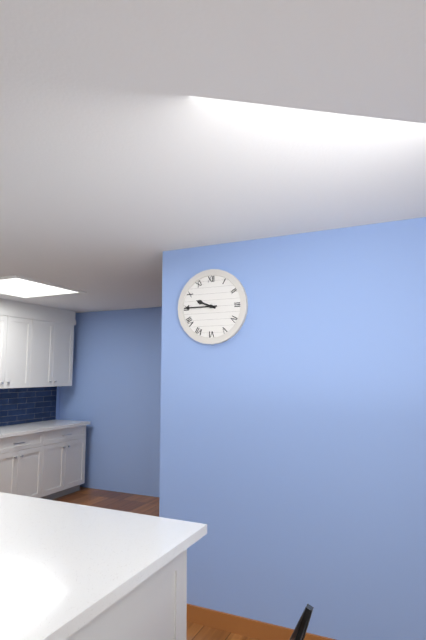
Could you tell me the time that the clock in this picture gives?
9:45
